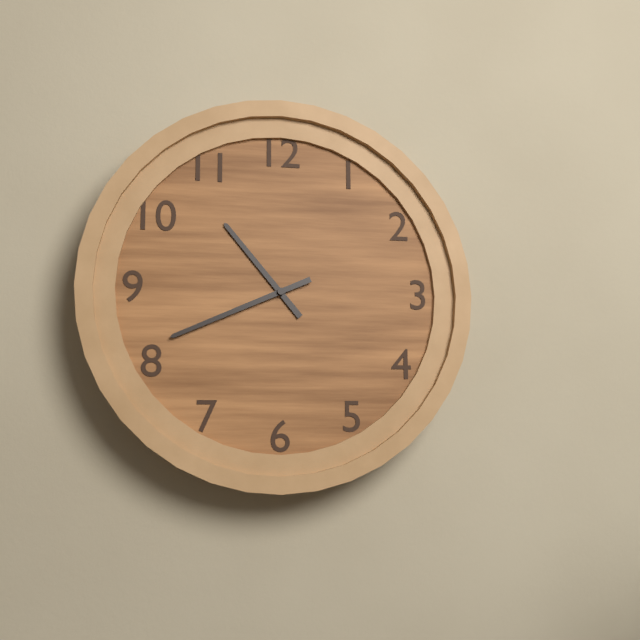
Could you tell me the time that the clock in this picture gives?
10:41
